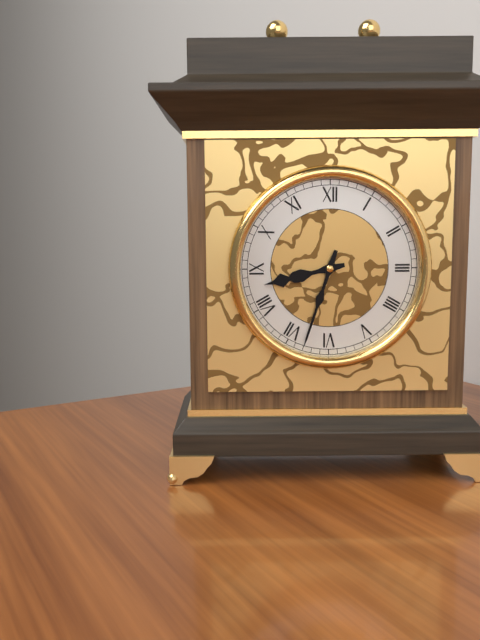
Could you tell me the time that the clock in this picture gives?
8:33
